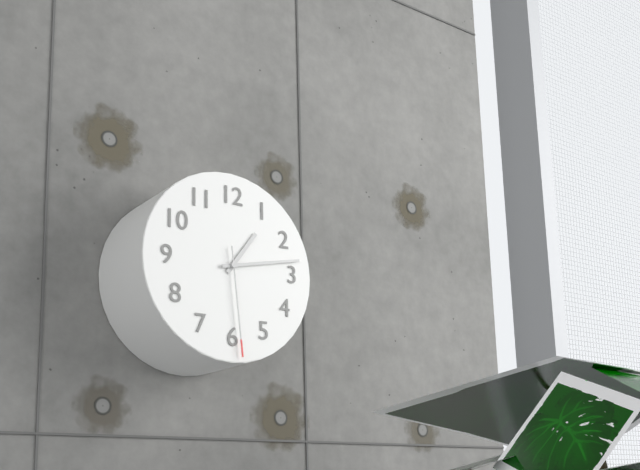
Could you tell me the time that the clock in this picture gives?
1:13:29
